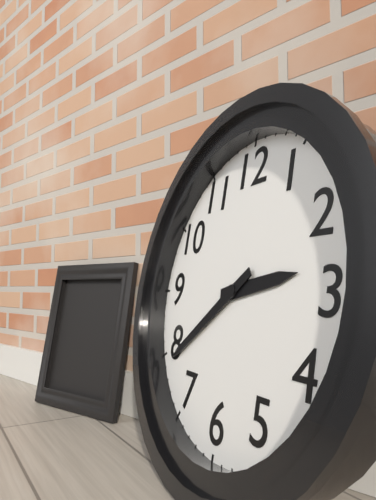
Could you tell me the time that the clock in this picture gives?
2:39
